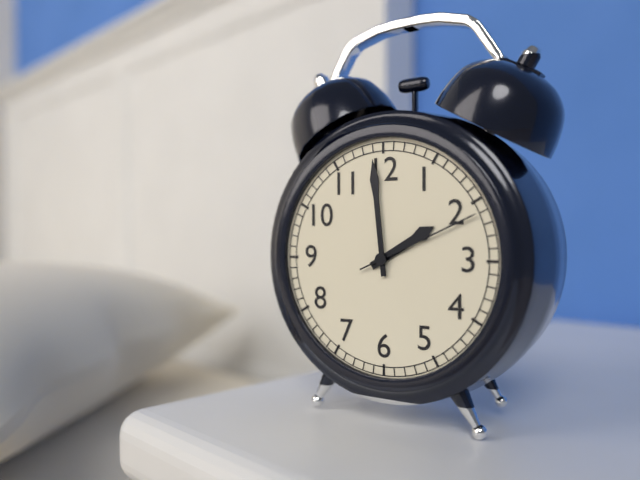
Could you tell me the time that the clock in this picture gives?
1:59:11
